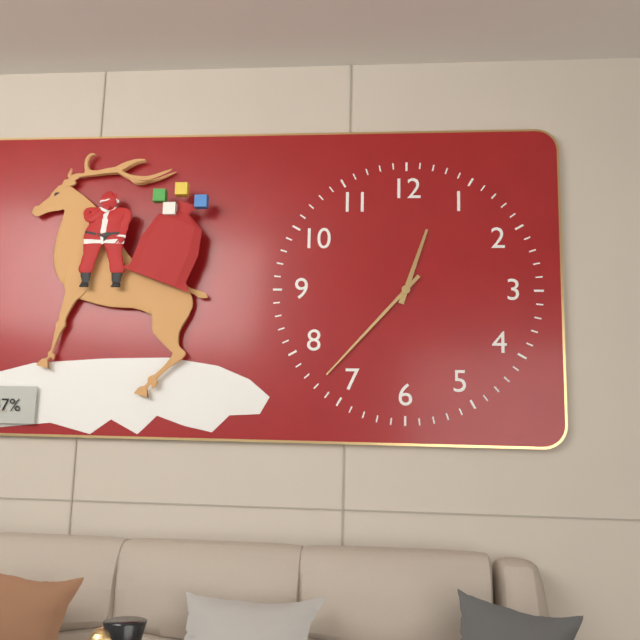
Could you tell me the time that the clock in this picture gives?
12:37
